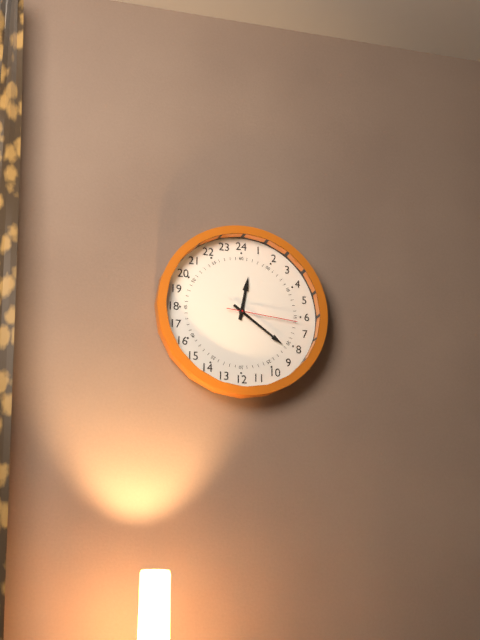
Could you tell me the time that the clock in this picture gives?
12:21:16
